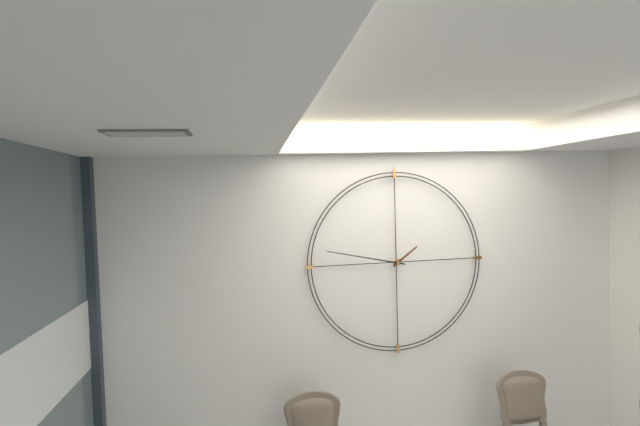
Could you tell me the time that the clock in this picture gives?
1:47
